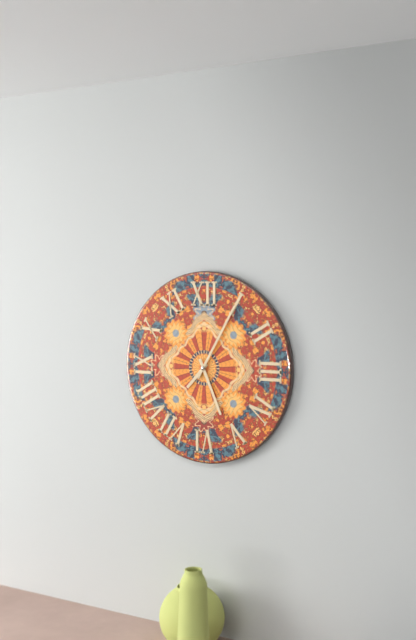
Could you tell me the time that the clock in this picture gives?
7:26:05
